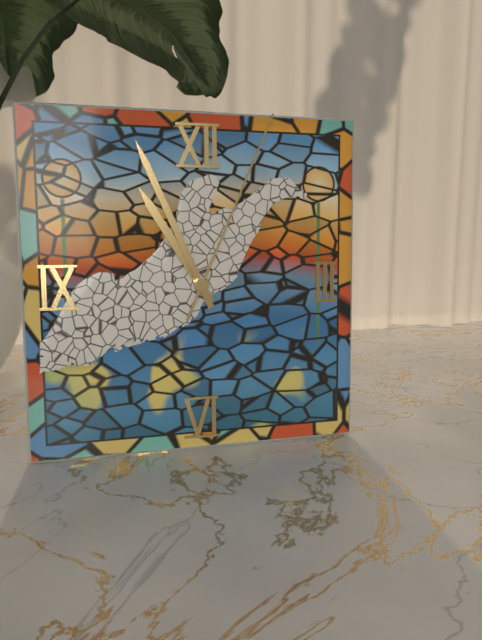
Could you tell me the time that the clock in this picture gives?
10:56:04
